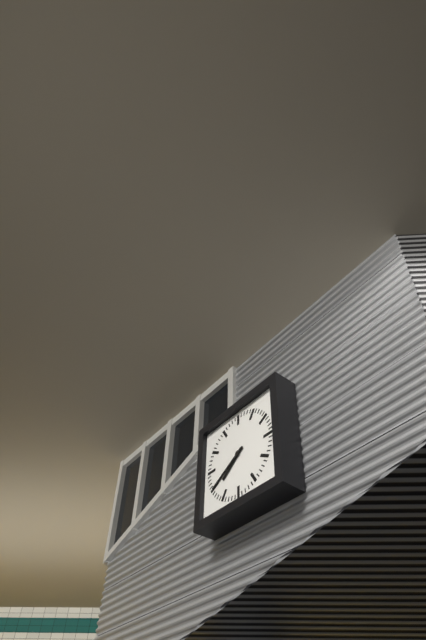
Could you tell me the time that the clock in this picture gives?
7:40
